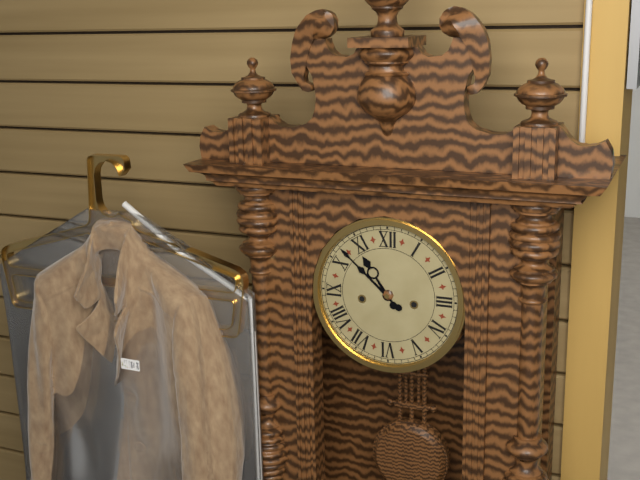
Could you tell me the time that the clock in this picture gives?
10:52
